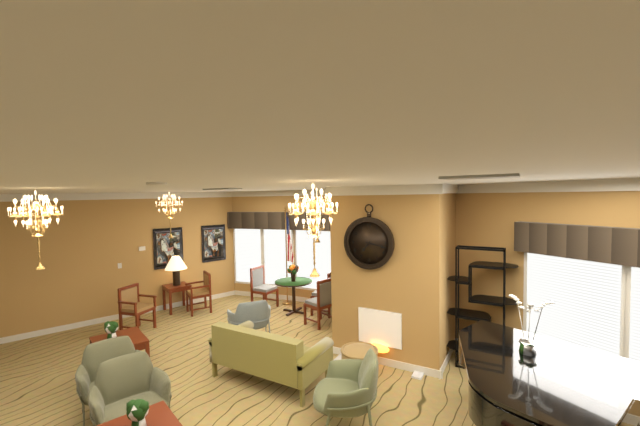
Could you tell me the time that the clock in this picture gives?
7:17
